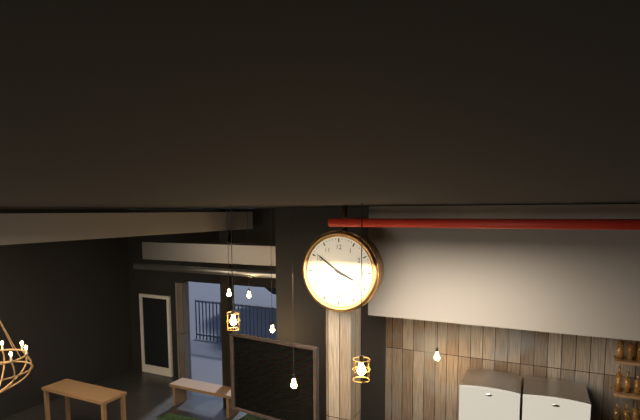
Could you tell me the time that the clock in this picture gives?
3:51
